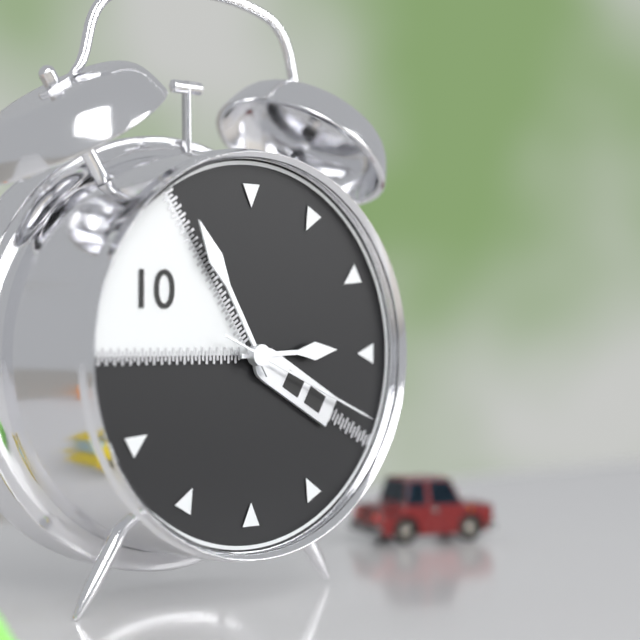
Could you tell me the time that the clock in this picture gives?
2:55:19
